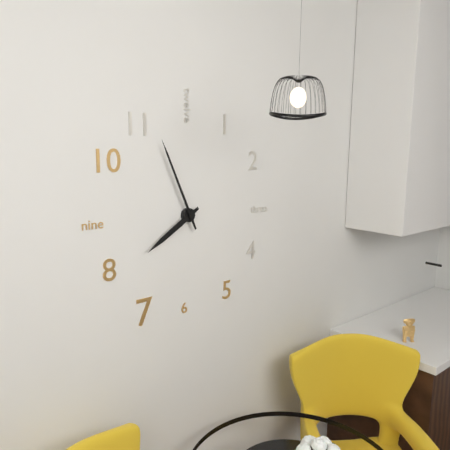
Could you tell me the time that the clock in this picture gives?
7:56
